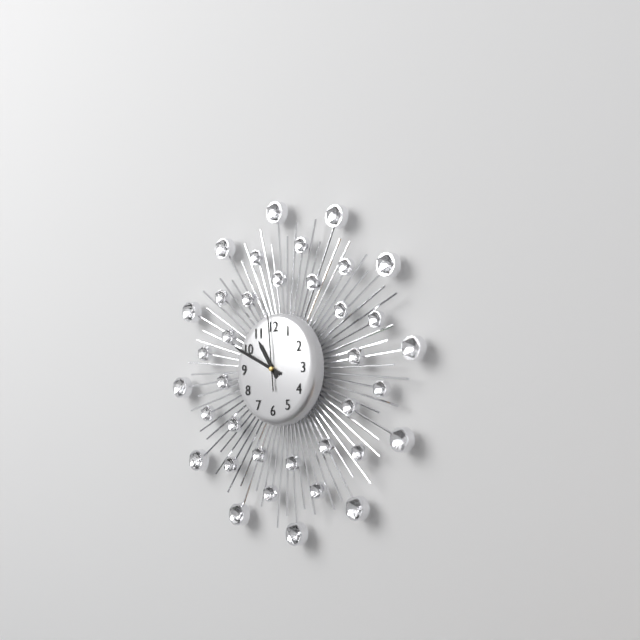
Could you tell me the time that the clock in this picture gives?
10:49:59
